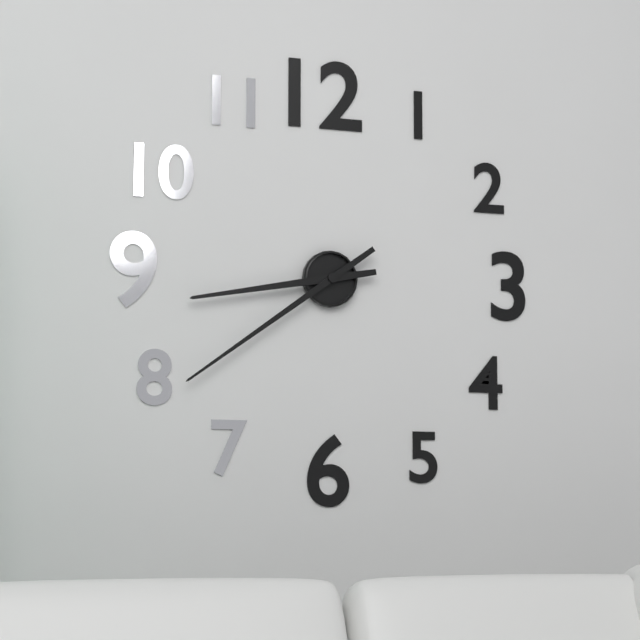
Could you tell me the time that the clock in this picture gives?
8:39
